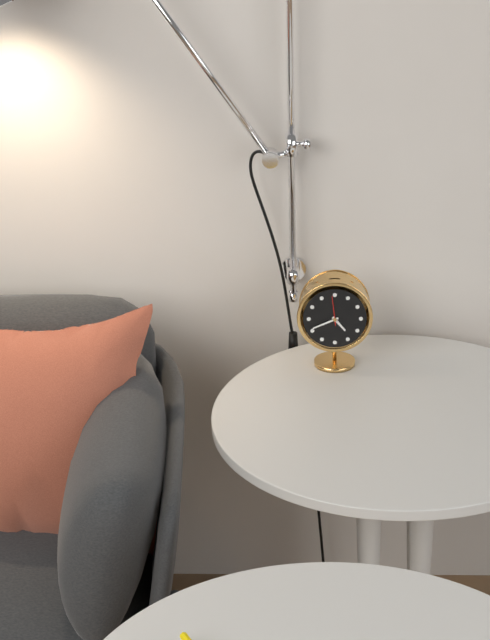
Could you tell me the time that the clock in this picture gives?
4:41
